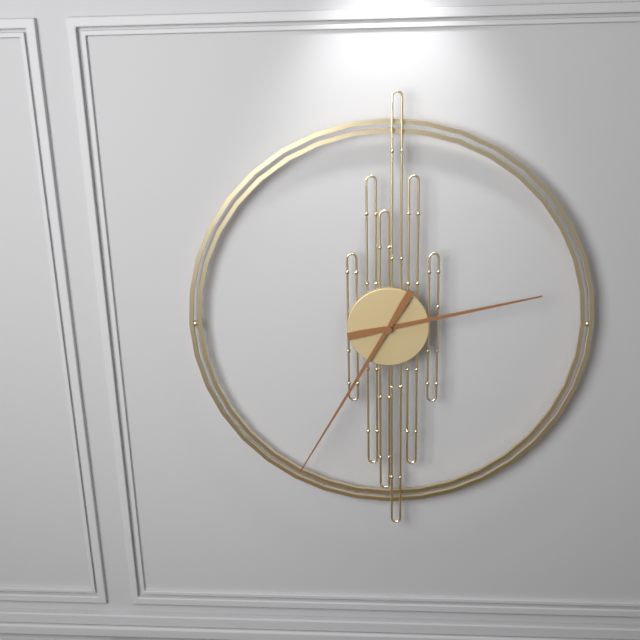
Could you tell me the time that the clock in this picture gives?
2:35
